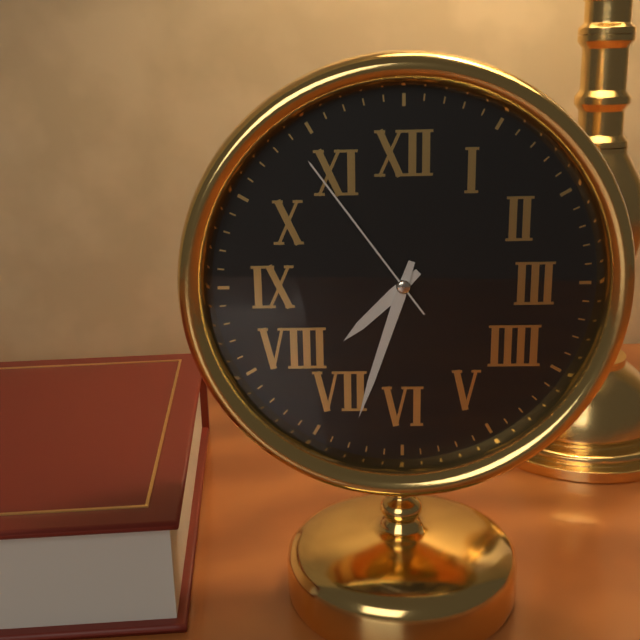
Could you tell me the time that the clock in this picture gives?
7:33:54
